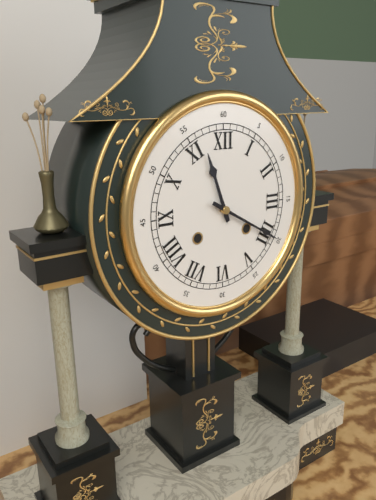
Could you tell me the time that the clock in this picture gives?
11:20
